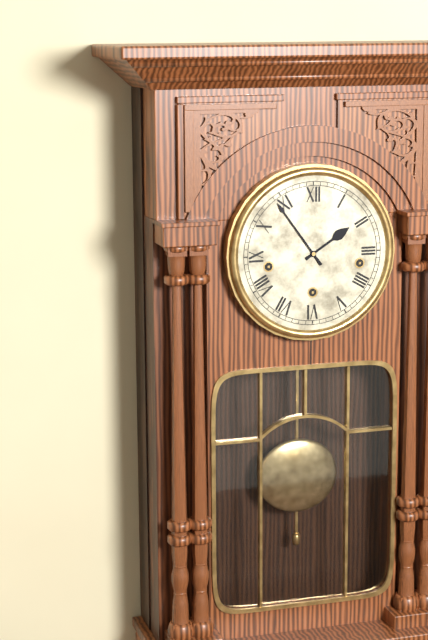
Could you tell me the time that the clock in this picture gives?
1:54
